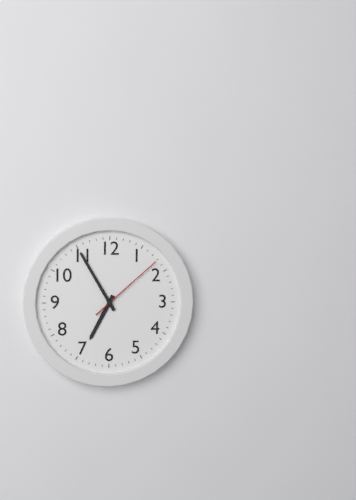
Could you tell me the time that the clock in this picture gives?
6:55:08
